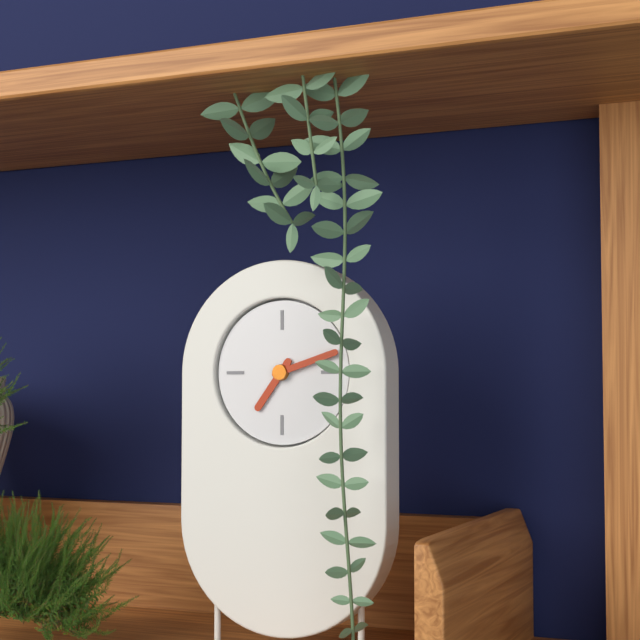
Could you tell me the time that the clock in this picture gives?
7:12
